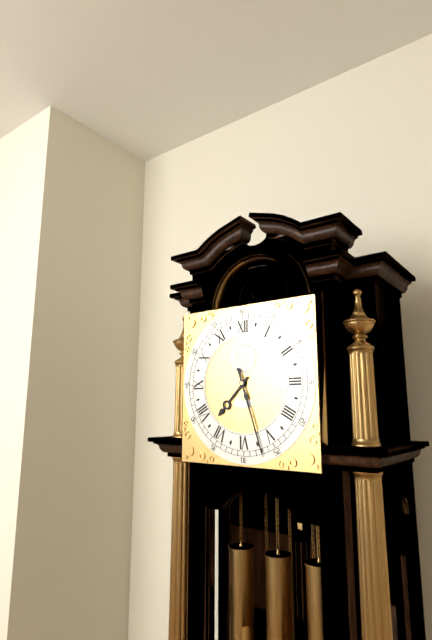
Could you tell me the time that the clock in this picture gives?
7:27
